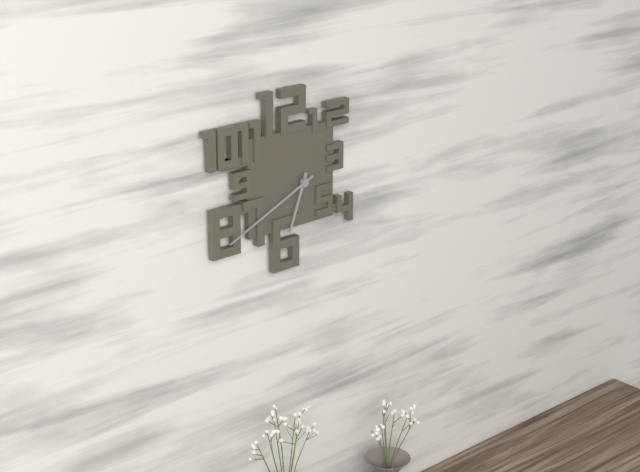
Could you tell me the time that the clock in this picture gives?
6:41
